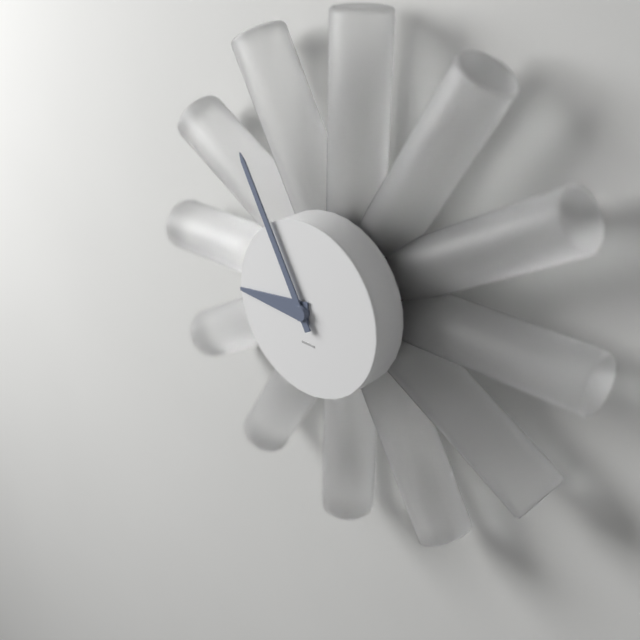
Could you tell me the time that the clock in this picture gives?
8:55
